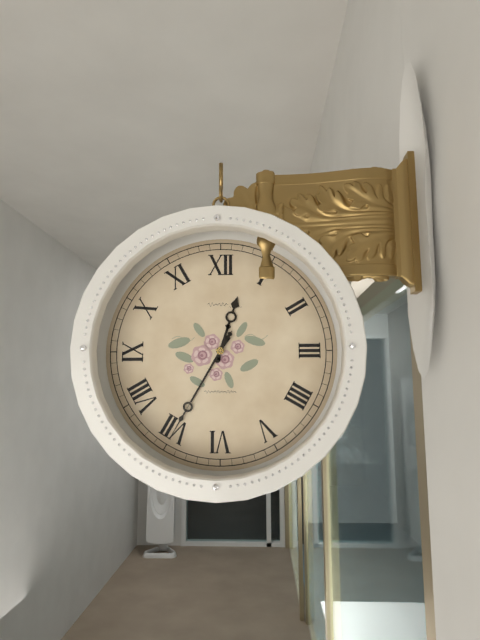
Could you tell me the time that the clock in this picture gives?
12:35:35
